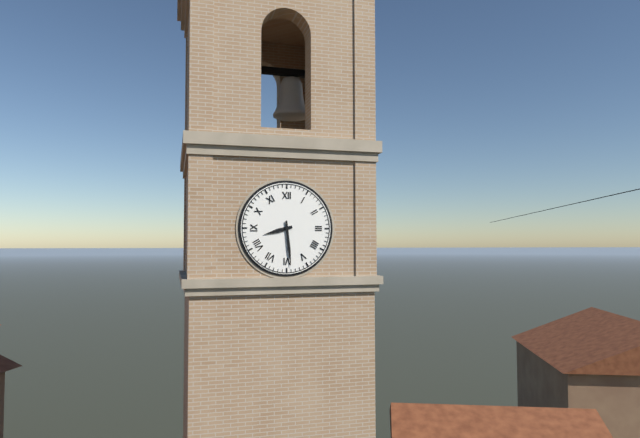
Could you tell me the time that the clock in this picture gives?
8:29
